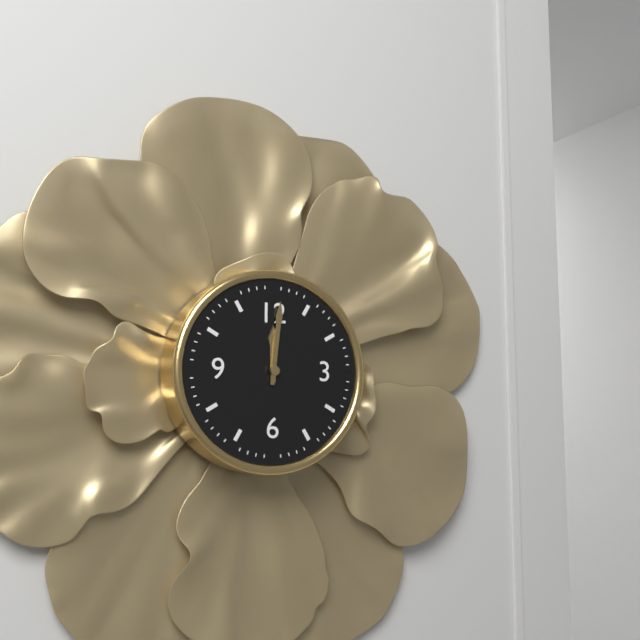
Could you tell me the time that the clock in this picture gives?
12:01
